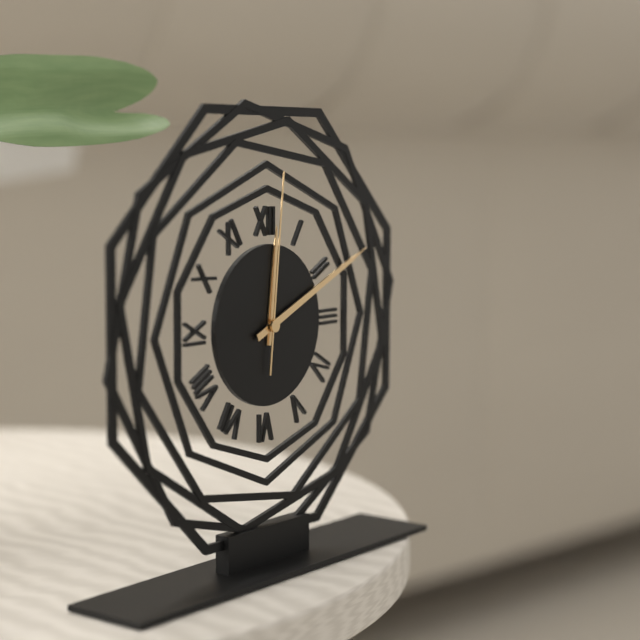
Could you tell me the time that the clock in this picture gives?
12:11:01
